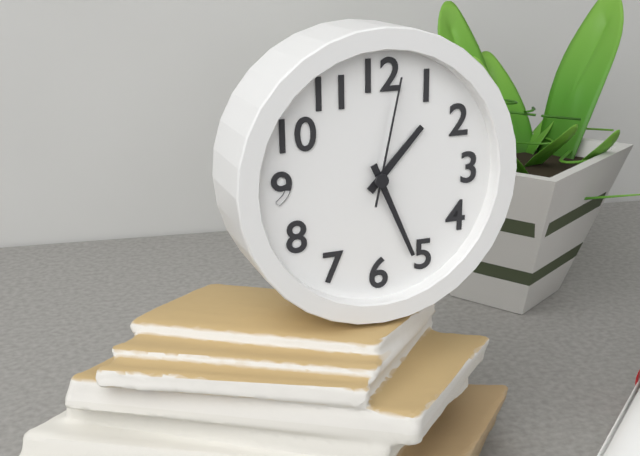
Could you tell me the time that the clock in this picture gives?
1:26:02
